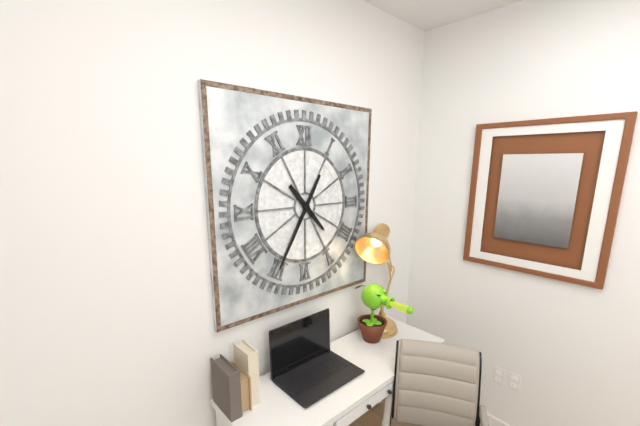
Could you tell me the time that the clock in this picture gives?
4:35
